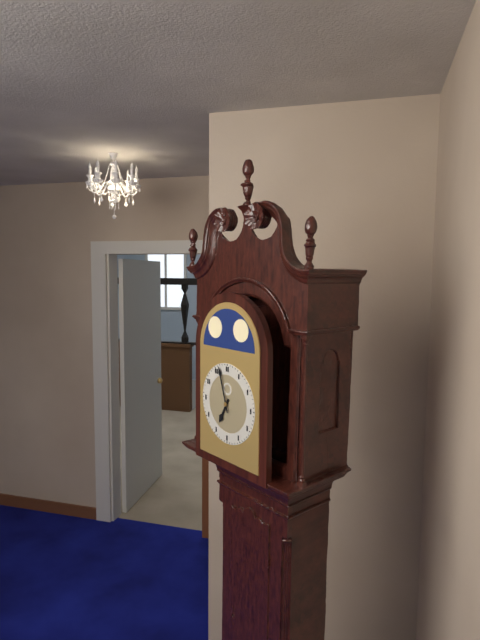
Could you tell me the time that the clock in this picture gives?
6:57
